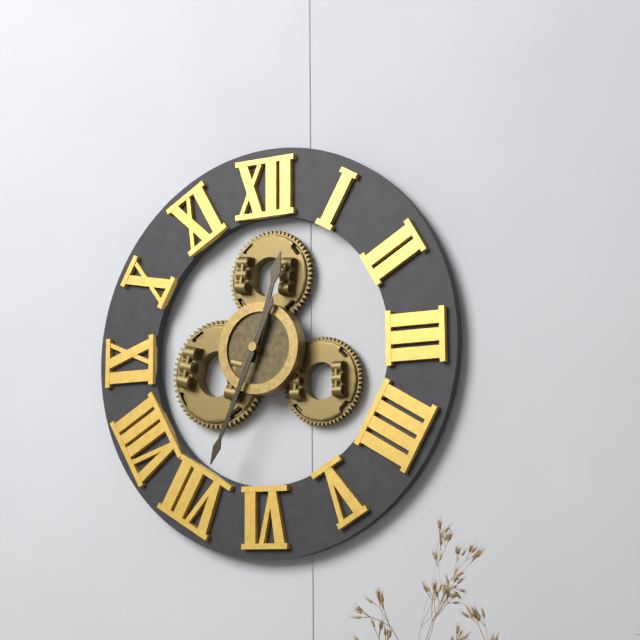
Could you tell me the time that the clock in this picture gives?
12:34
